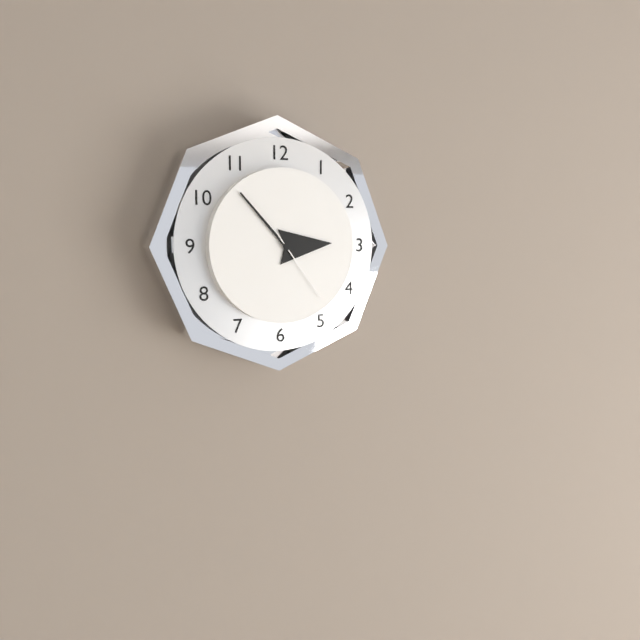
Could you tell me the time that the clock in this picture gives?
2:53:24
